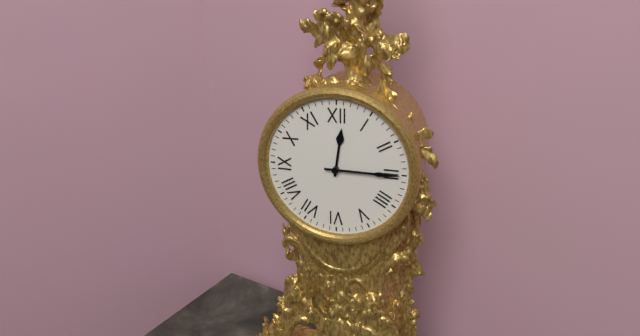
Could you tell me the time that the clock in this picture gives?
12:15
